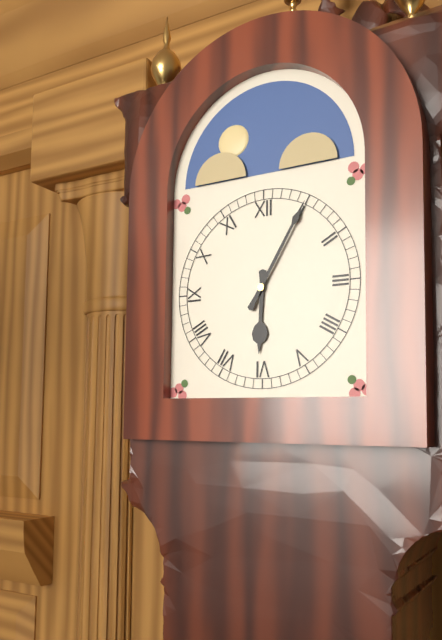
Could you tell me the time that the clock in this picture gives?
6:05
